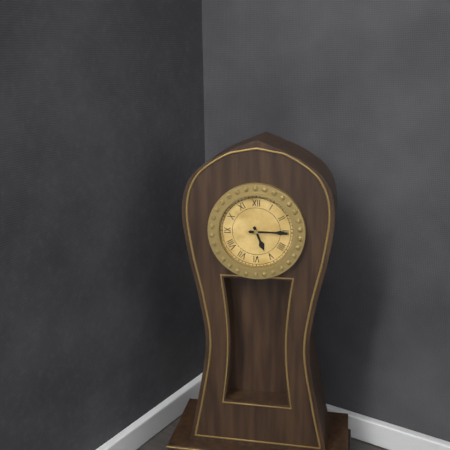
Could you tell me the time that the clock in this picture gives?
5:15
